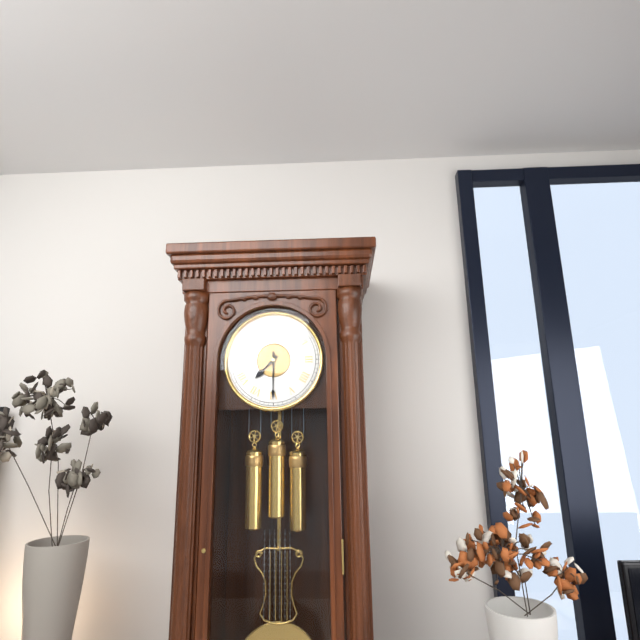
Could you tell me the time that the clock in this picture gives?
7:30
